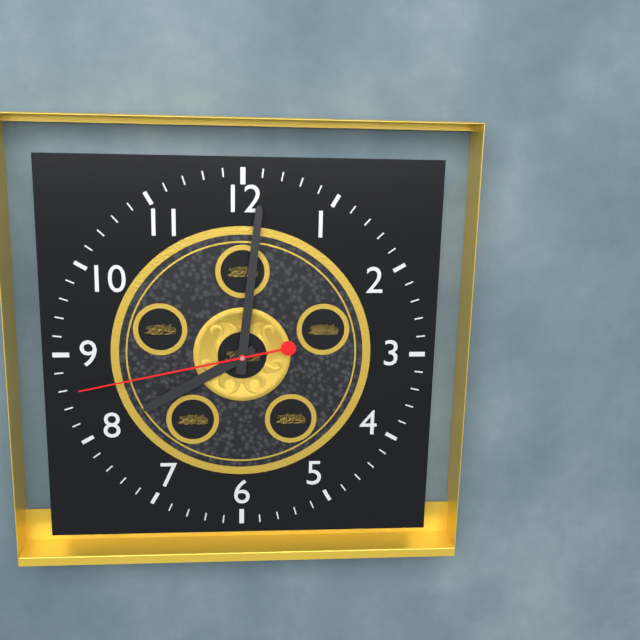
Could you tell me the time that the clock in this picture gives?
8:01:43
